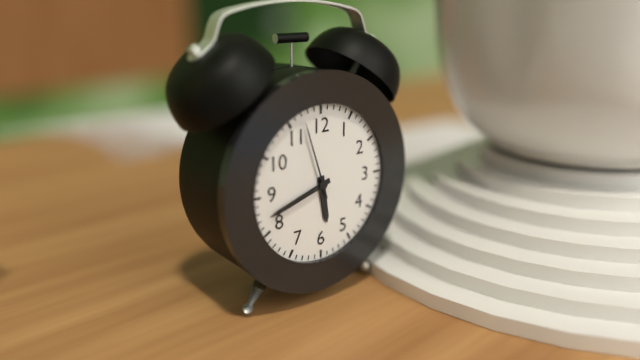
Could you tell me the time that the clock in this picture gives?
5:42:57
